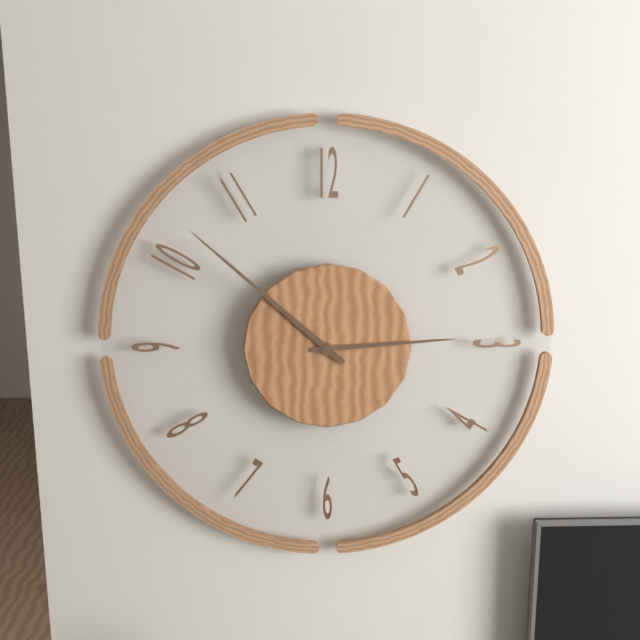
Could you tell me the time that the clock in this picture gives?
2:52
